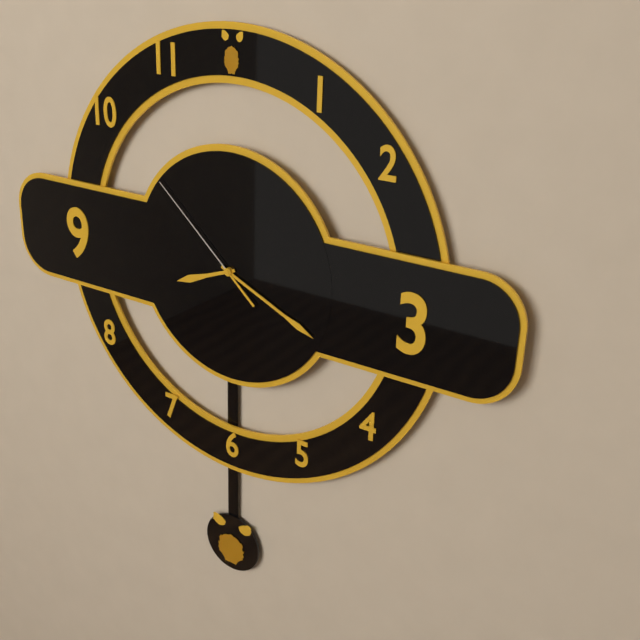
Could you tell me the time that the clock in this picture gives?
8:19:52
